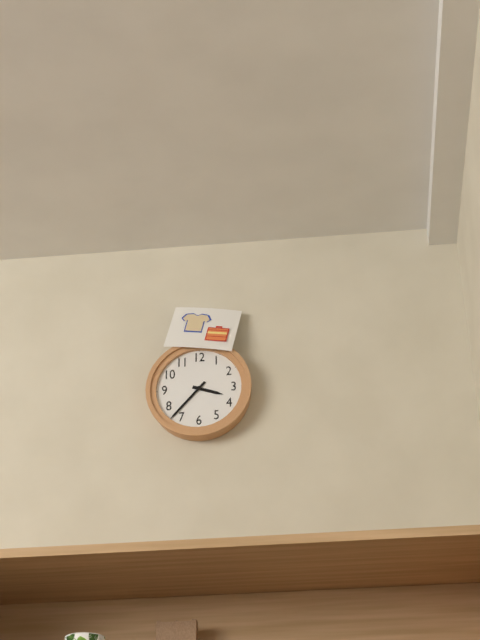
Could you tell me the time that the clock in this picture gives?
3:37
